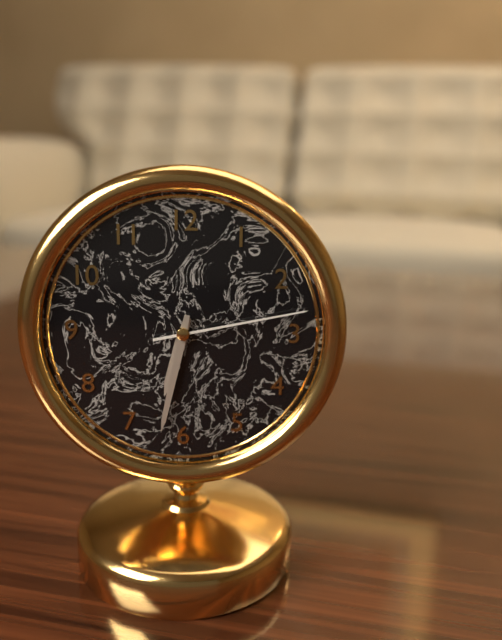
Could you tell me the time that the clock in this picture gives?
6:32:13
